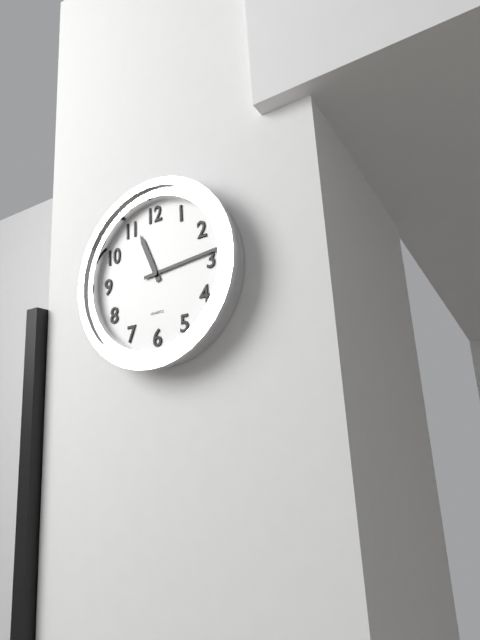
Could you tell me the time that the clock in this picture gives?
11:14
